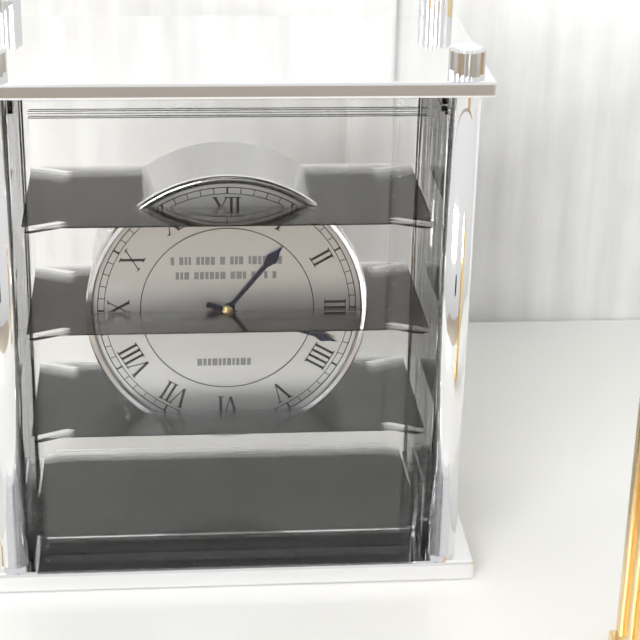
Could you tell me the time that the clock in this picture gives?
1:18
